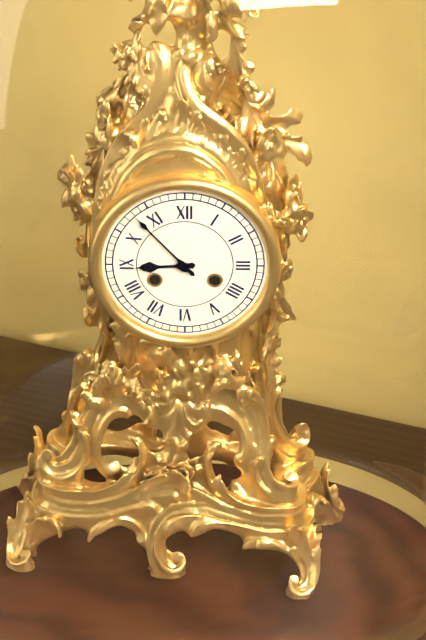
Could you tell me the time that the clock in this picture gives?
8:53
